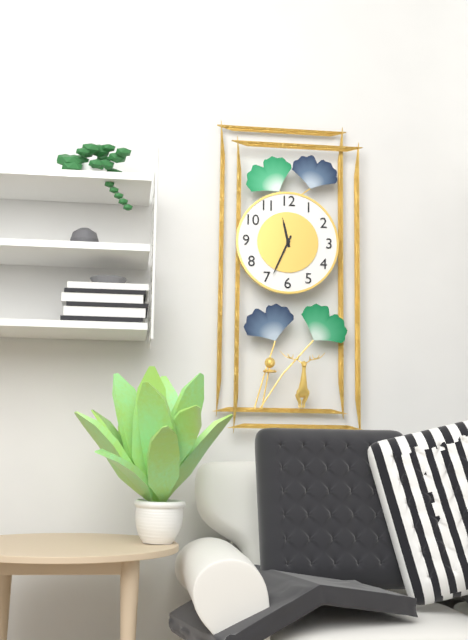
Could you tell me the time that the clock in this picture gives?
11:34
